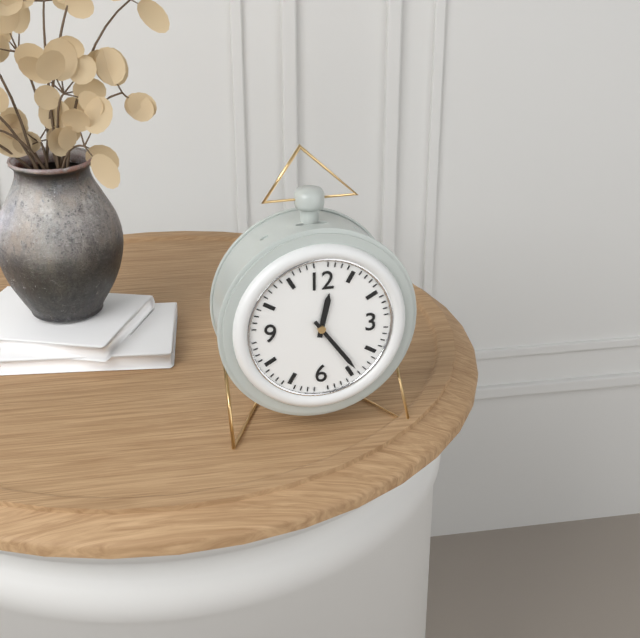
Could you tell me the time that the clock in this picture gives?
12:24
